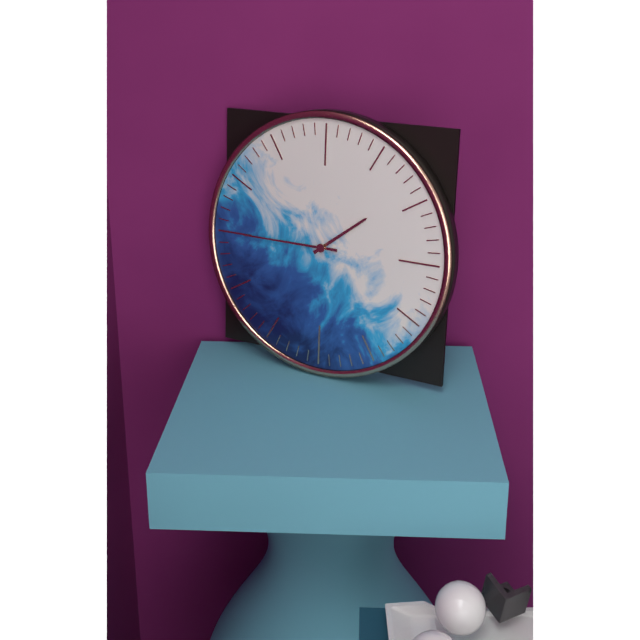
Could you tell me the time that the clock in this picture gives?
1:45
